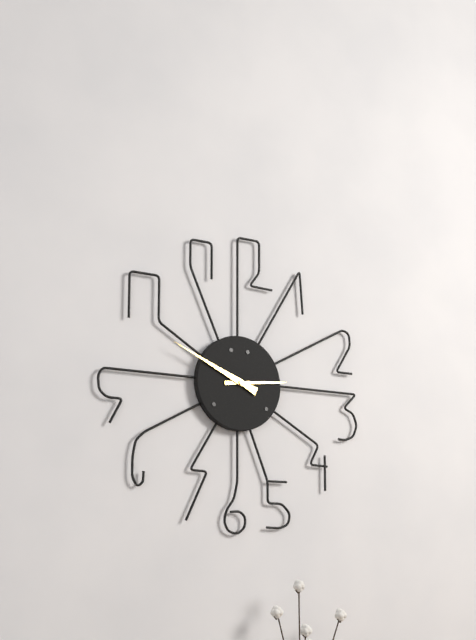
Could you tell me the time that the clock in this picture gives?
2:49
